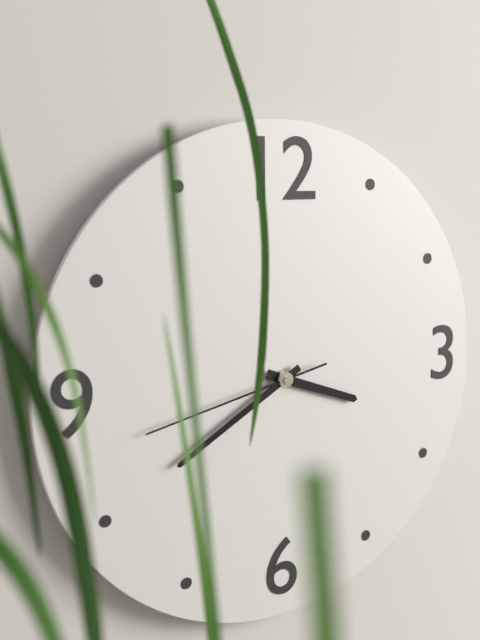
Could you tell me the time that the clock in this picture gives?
3:40:43
